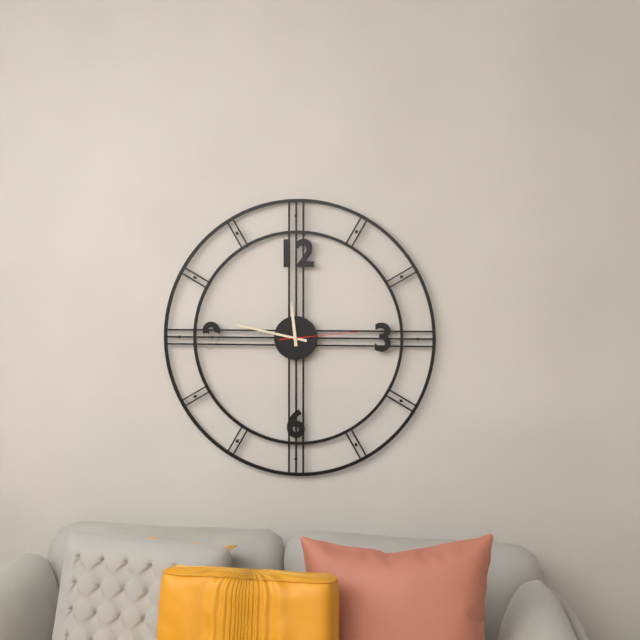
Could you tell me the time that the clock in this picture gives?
11:47:14
